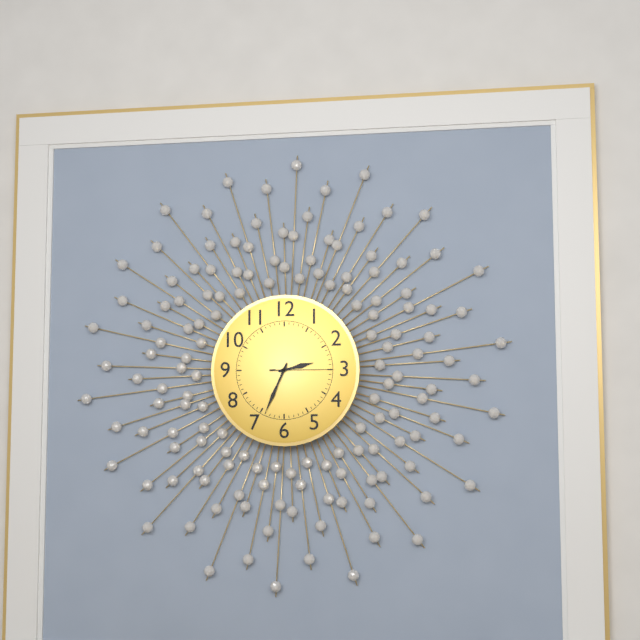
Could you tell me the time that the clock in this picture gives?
2:34:15
